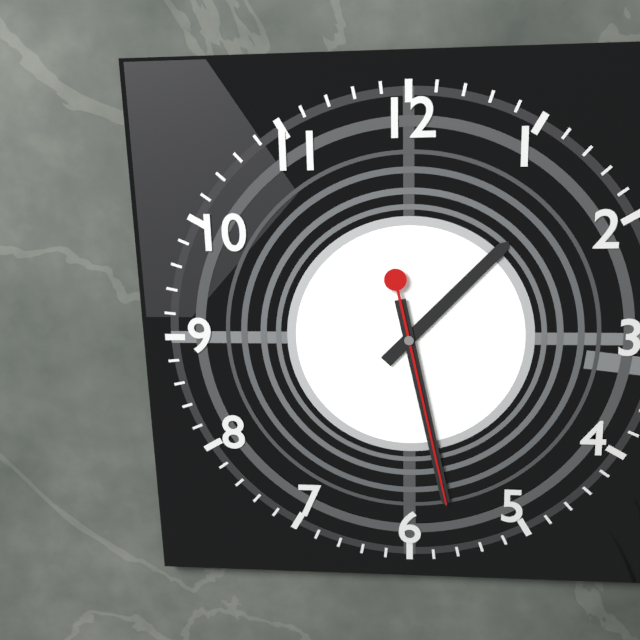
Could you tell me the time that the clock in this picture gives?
1:28:28
